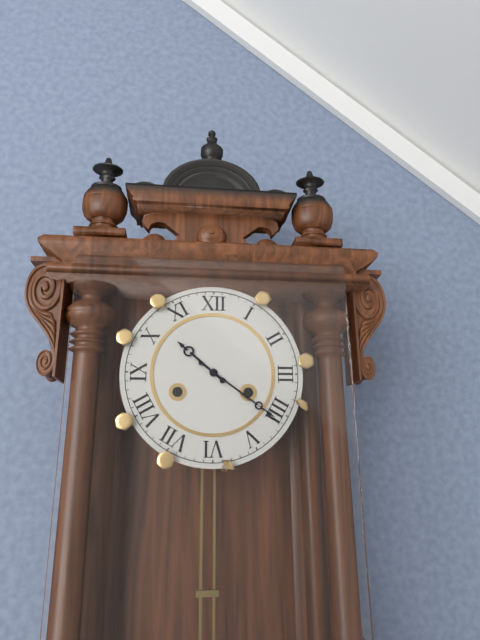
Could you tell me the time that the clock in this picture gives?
10:21
